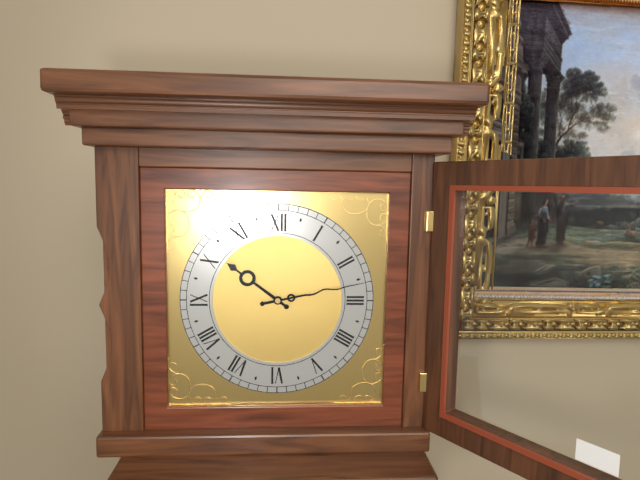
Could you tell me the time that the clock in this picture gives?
10:13
